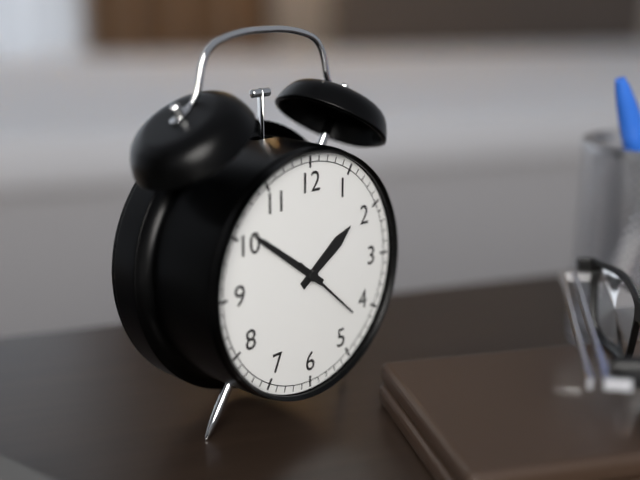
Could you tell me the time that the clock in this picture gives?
1:51:22
